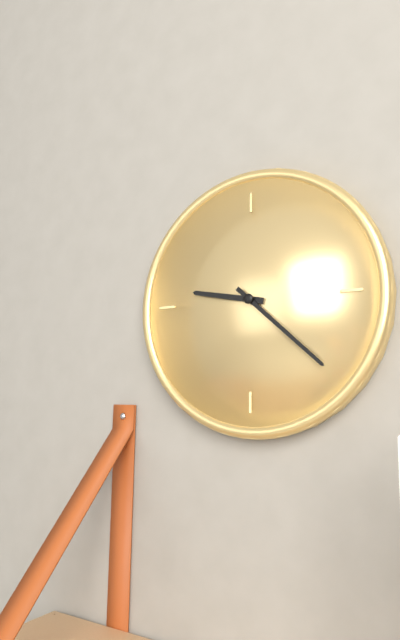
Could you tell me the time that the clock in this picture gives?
9:22
